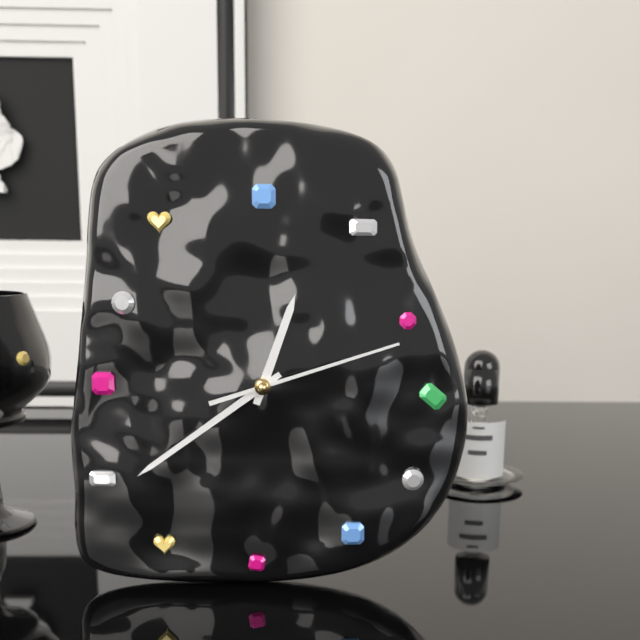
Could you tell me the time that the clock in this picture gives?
12:39:12
